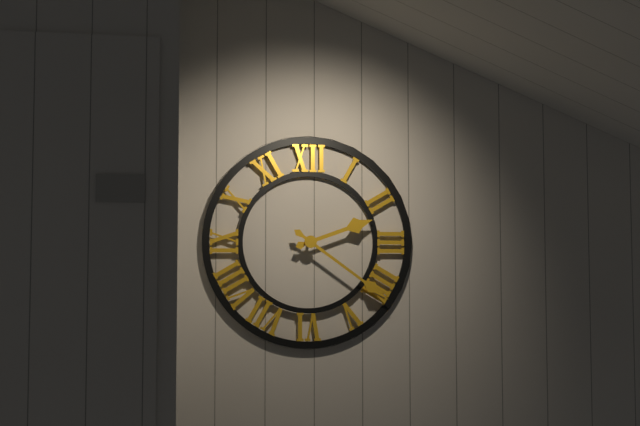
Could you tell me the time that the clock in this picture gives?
2:21
